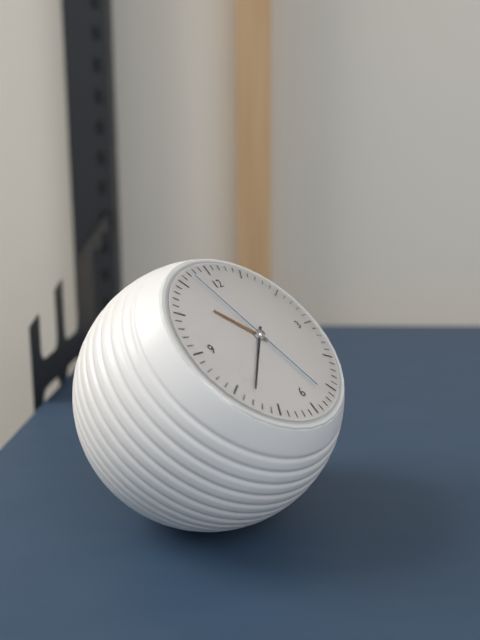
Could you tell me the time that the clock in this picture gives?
10:38:57
